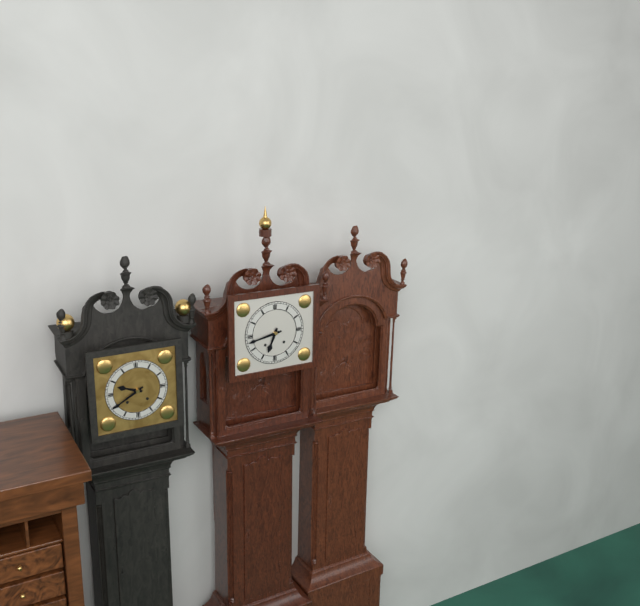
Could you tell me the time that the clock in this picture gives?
6:43
